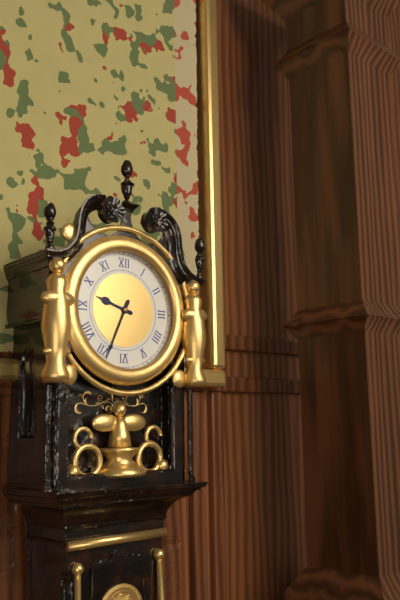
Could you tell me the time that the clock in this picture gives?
9:34
